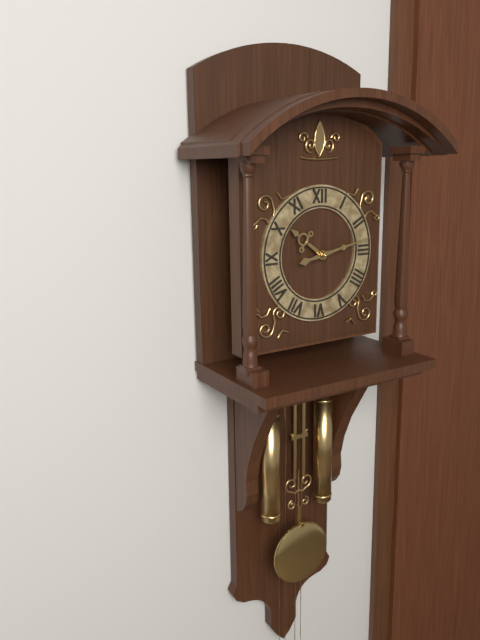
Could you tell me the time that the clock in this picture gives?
10:13
